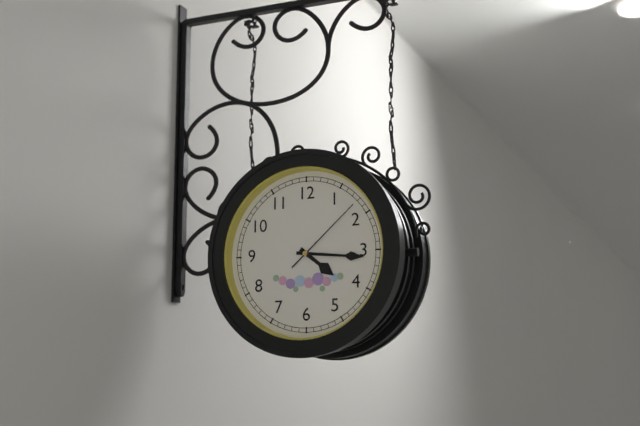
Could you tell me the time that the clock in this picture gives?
4:16:08
